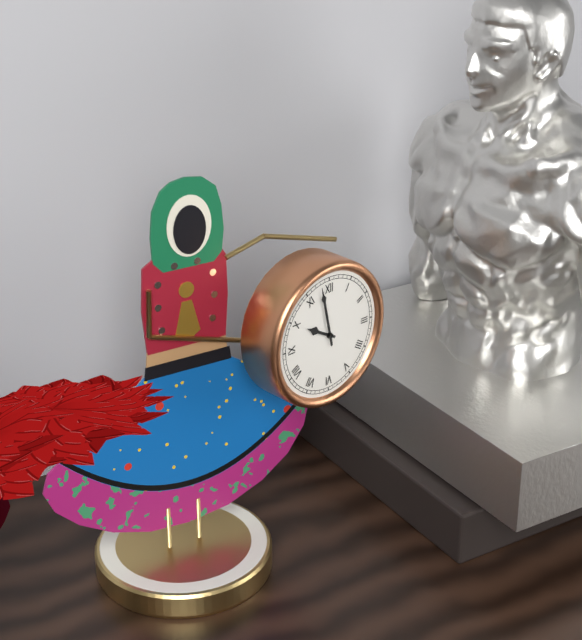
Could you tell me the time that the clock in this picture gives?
9:58
